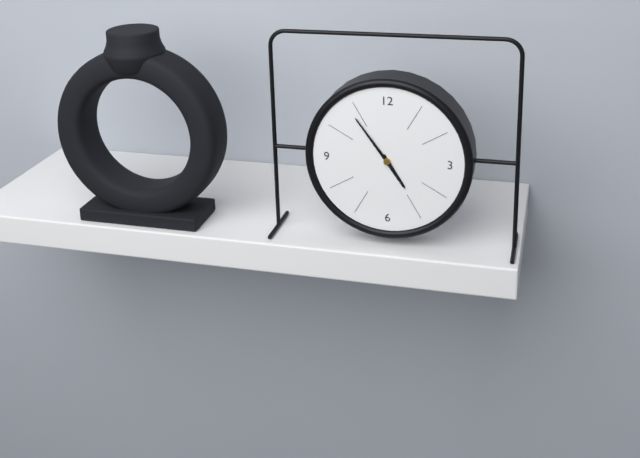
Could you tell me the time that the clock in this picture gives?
4:54
